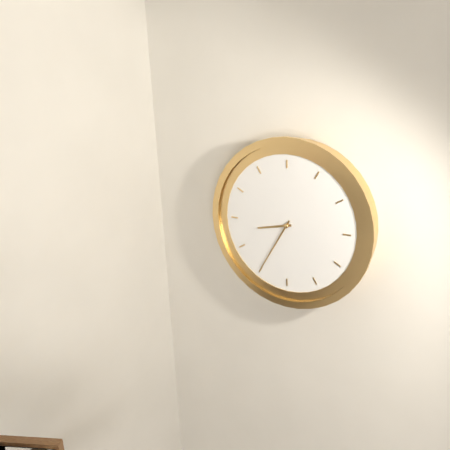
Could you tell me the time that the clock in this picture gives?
8:35
